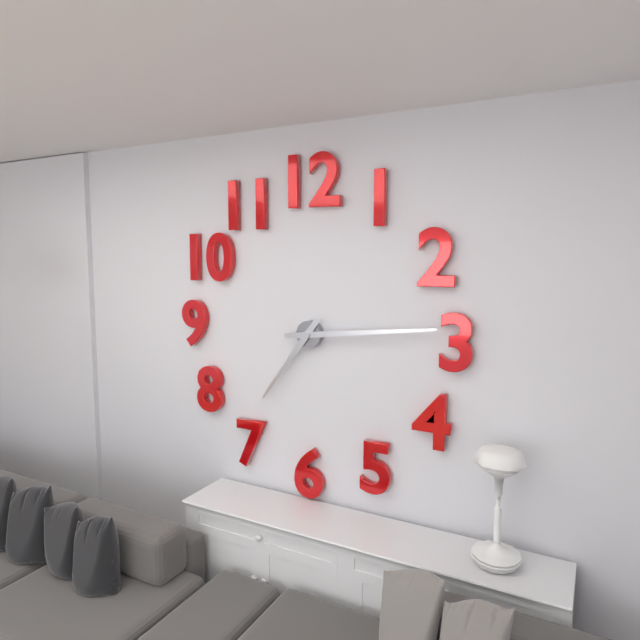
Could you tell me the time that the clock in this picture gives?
7:14
